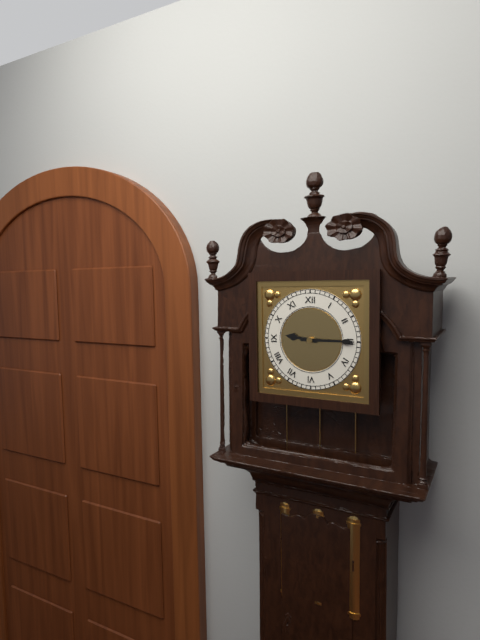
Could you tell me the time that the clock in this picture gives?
9:15
